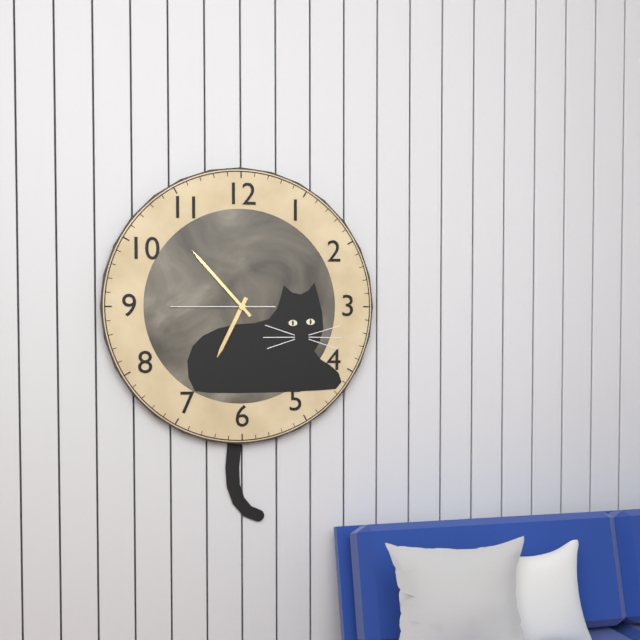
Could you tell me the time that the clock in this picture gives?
6:53:45
